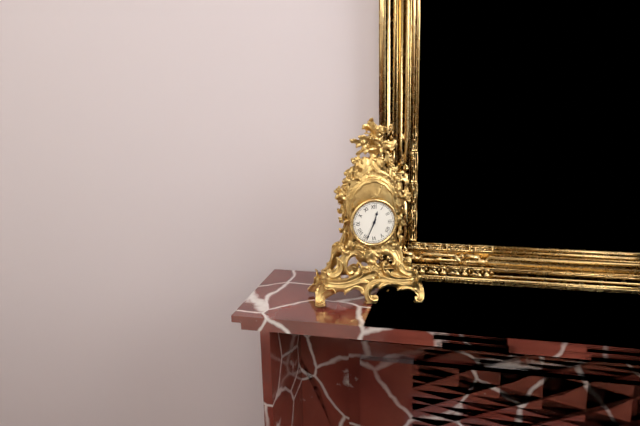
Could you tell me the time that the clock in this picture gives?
12:34
